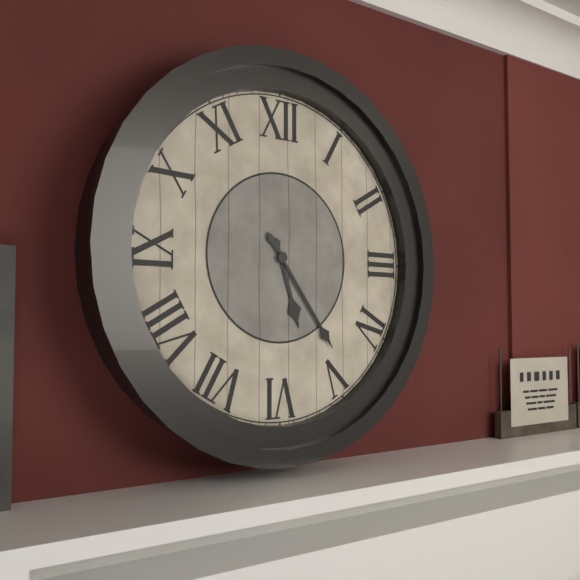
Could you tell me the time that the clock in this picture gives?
5:24
